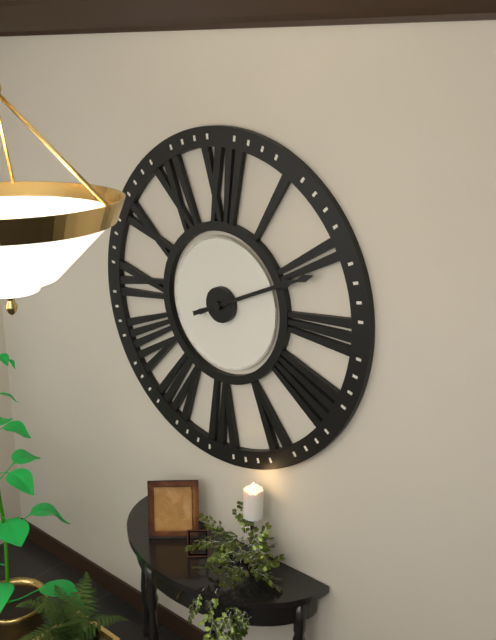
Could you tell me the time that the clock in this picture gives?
2:11
